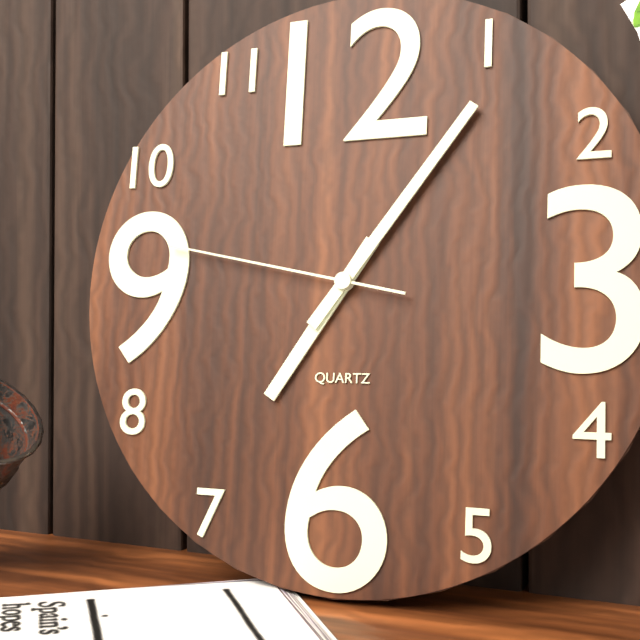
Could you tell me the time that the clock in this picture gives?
7:06:47
